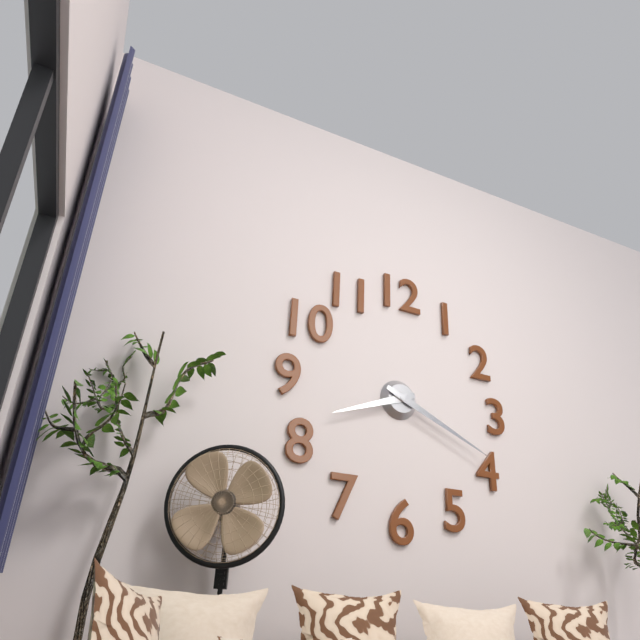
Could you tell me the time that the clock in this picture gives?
8:19
